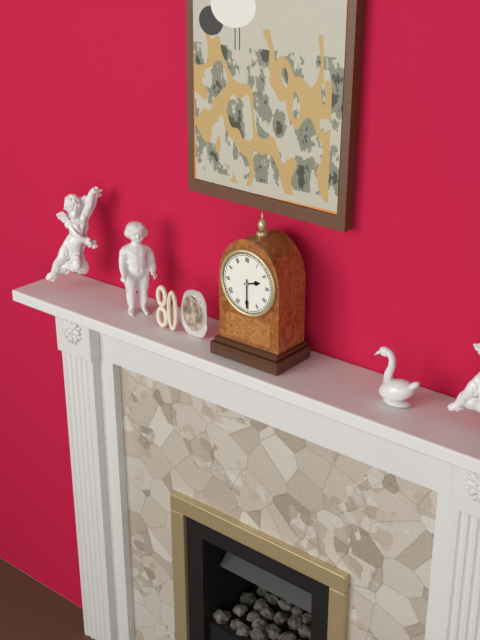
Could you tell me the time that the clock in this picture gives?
2:30
